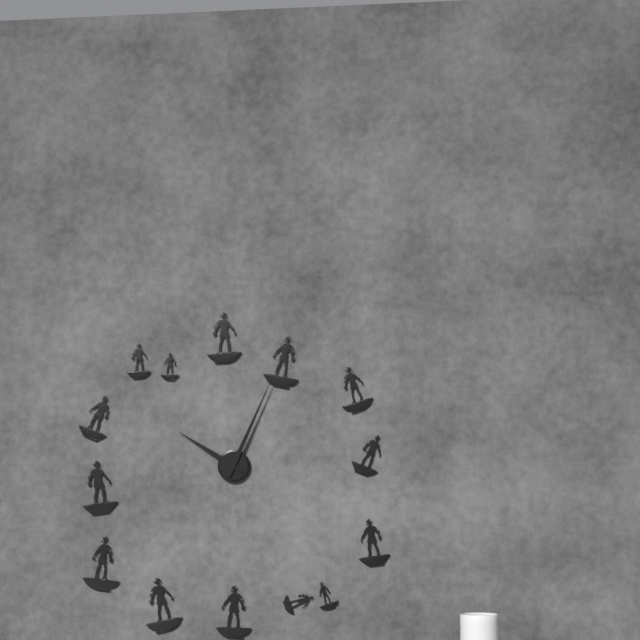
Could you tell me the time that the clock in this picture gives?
10:04
